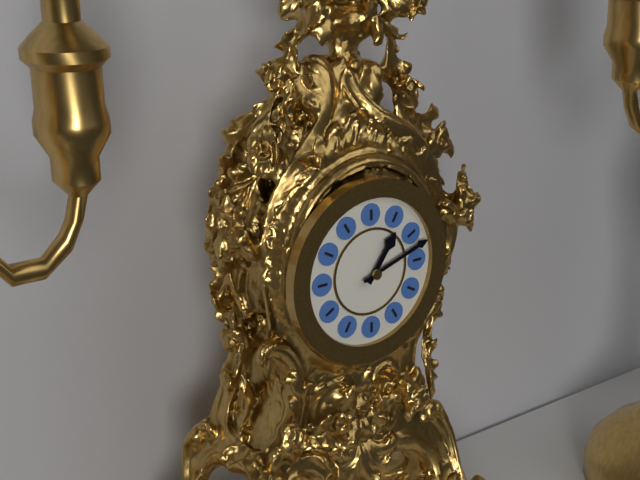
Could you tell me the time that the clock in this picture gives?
1:12
